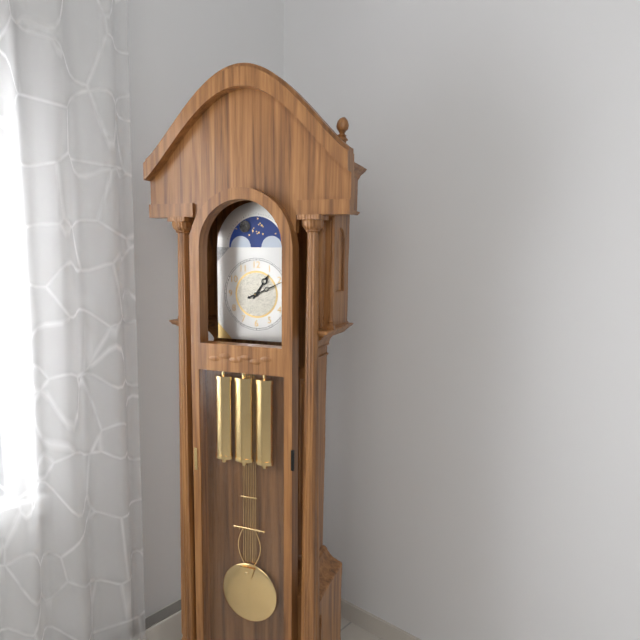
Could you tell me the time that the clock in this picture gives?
1:11
